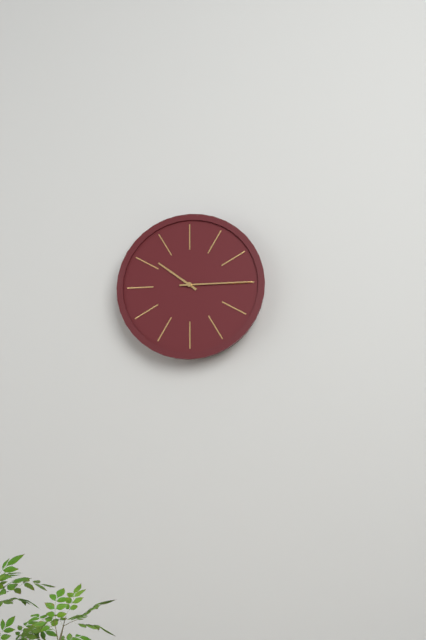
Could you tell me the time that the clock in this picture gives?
10:15
